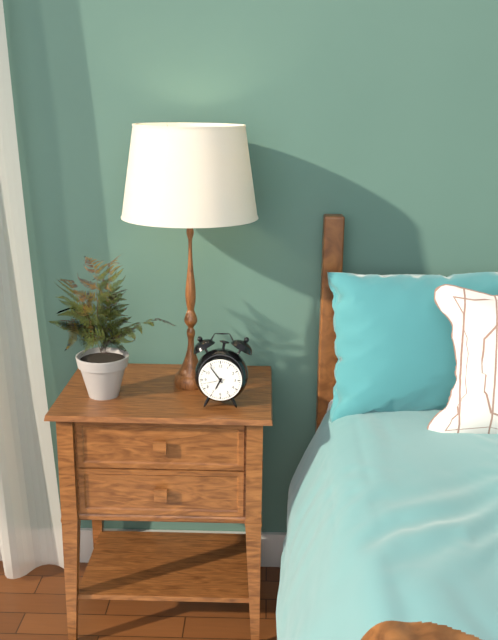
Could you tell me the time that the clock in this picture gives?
6:54
